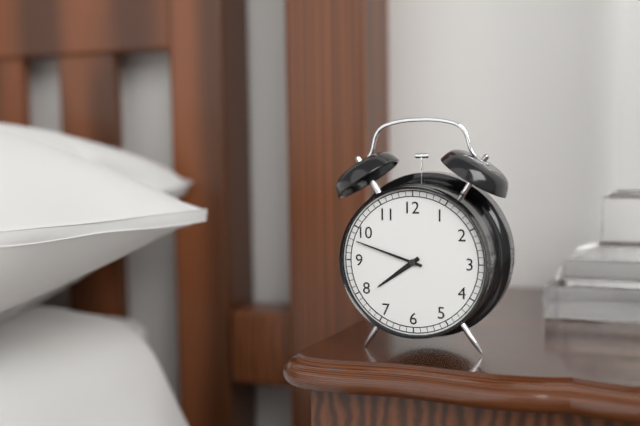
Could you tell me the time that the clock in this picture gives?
7:48
